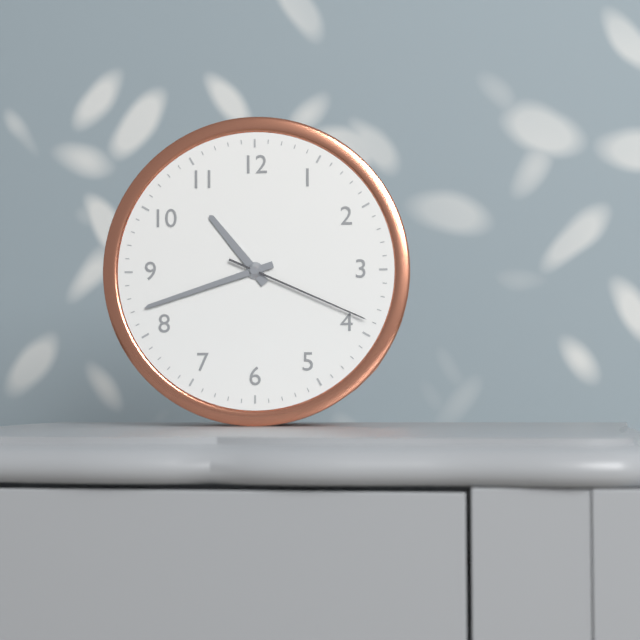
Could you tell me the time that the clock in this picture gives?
10:42:19
